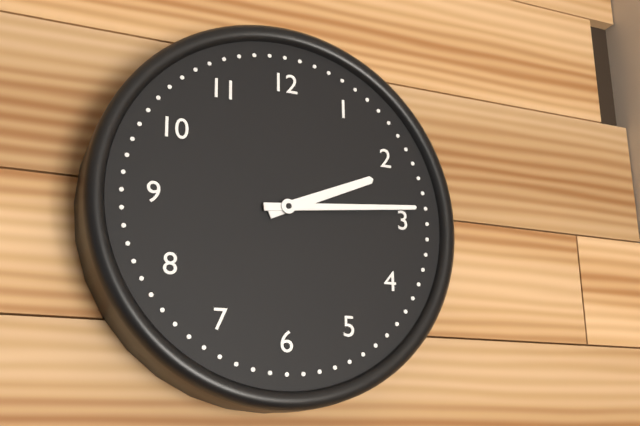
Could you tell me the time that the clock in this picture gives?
2:14
